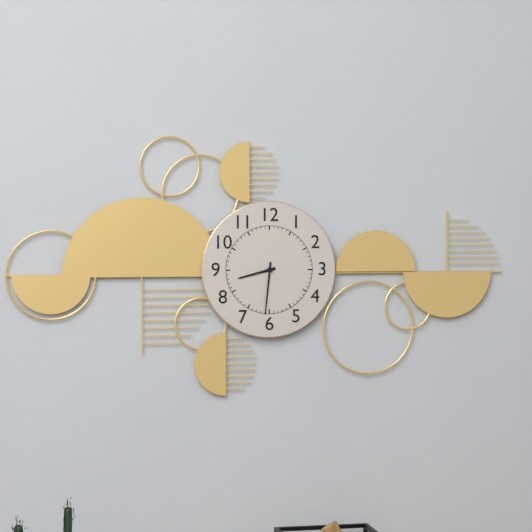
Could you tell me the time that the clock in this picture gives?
8:31
